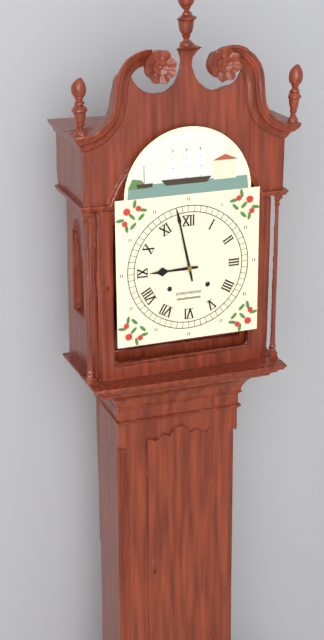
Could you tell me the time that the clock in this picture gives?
8:58
